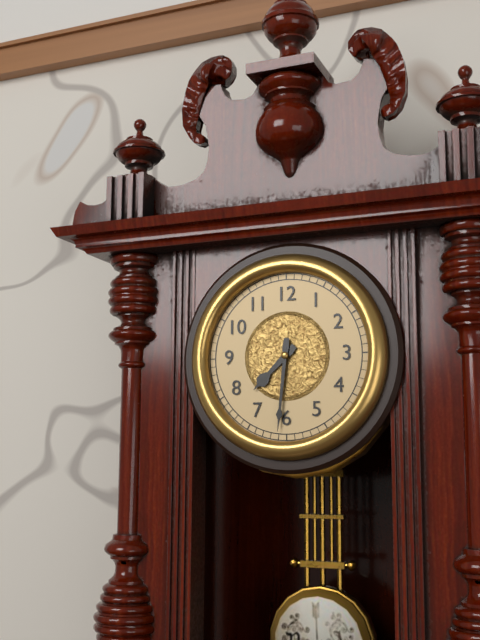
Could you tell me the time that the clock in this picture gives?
7:31
